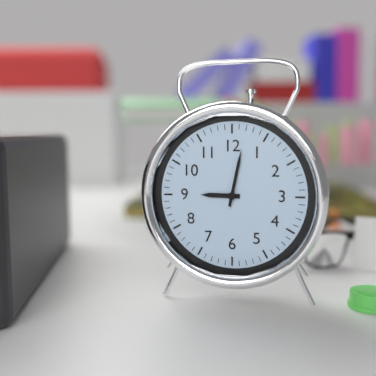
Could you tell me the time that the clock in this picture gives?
9:02
